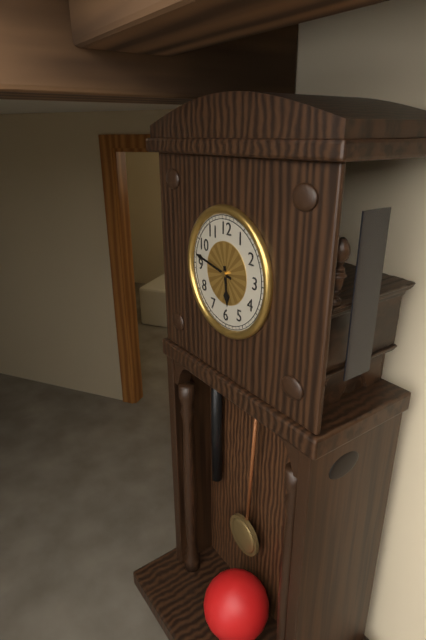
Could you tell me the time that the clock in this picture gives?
5:47
